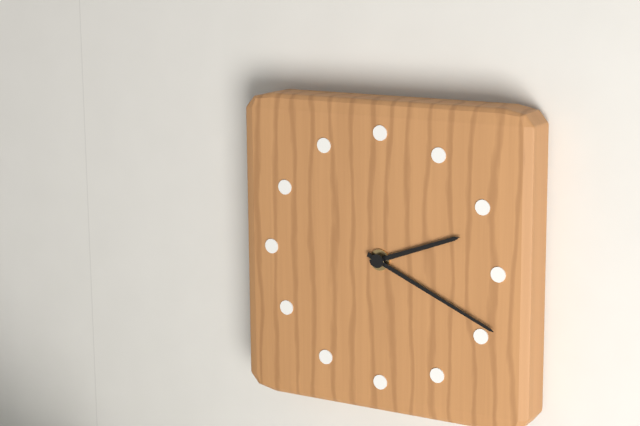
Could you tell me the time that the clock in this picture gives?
2:19
